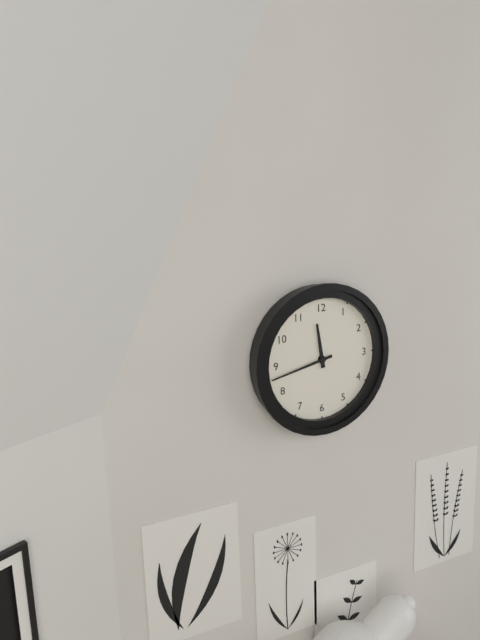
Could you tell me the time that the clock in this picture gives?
11:43
